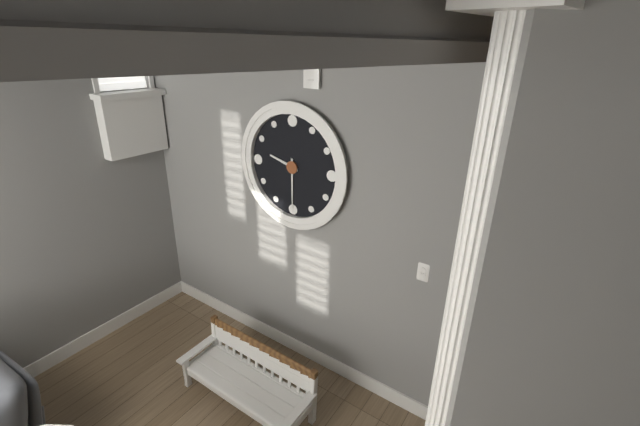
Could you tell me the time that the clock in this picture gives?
9:30
